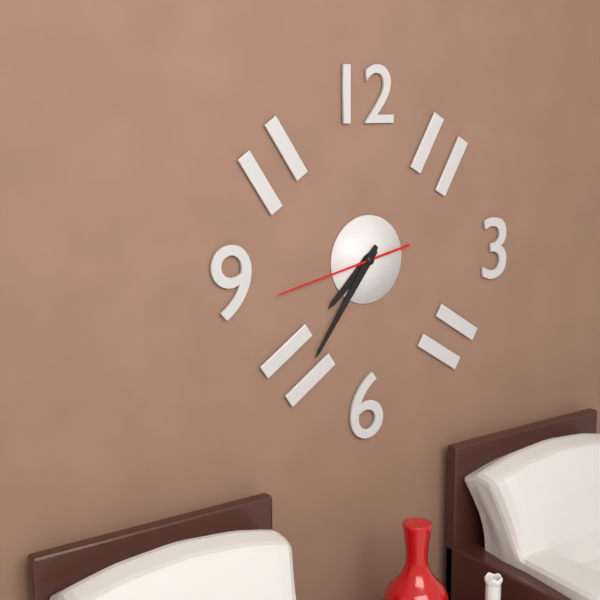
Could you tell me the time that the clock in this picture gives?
7:36:43
